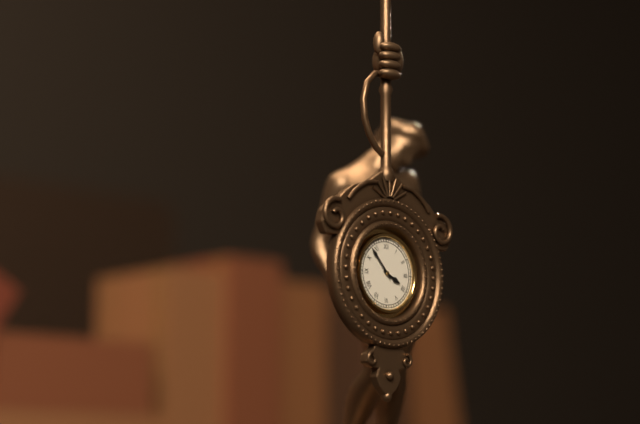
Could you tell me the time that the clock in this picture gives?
3:53
